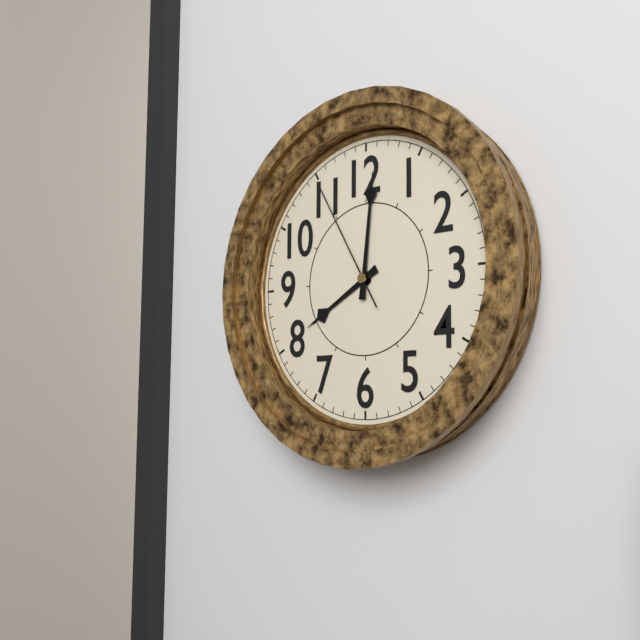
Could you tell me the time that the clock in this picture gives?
8:01:55
